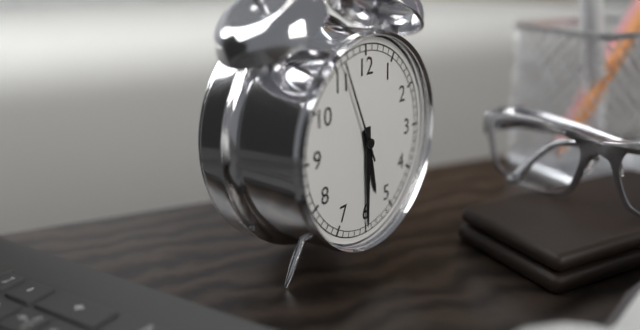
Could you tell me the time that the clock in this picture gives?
5:30:56
